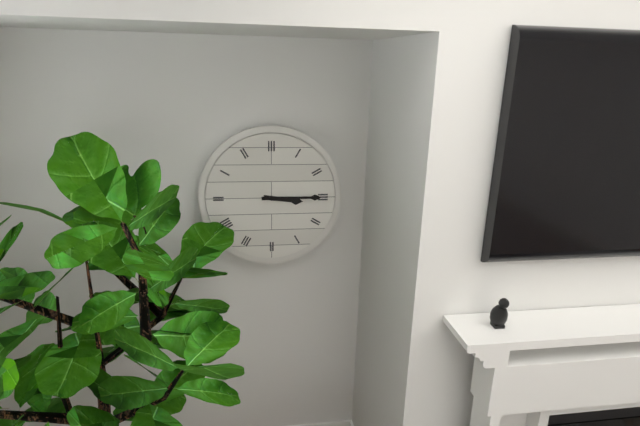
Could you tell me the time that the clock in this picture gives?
3:15
